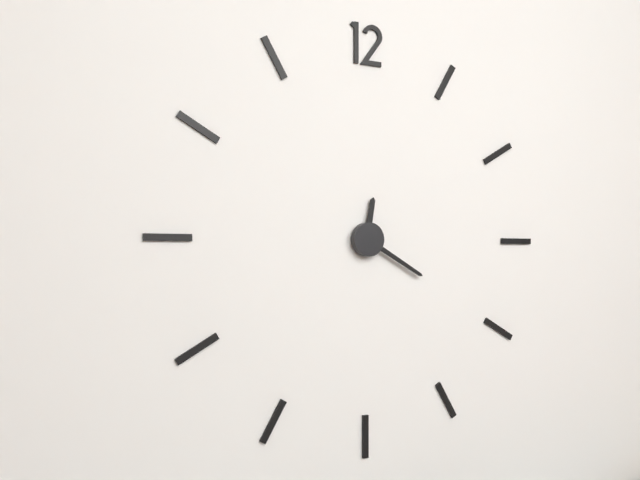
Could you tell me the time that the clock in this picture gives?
12:20
